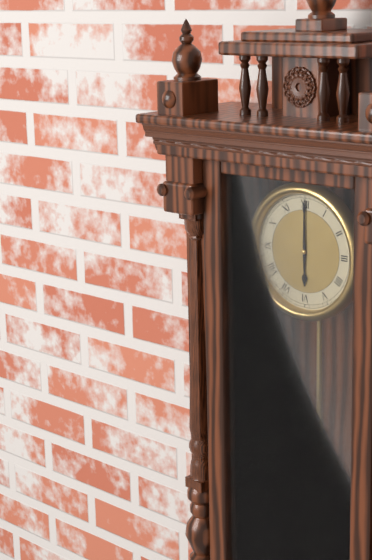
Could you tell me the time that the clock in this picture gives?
6:00
